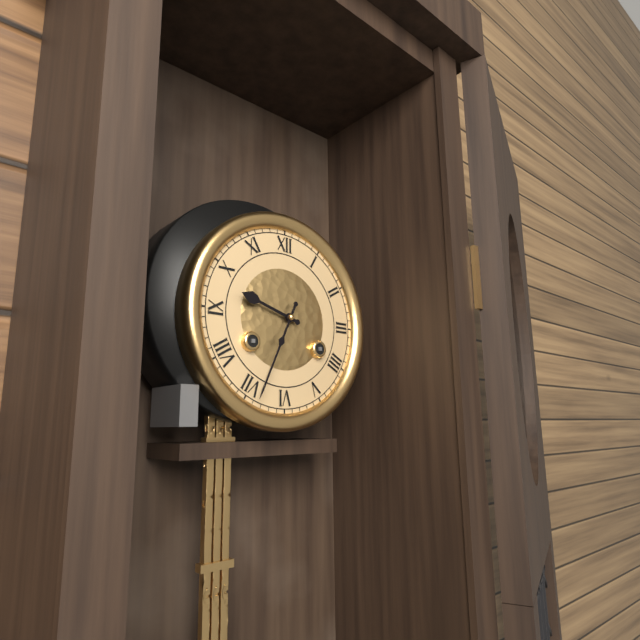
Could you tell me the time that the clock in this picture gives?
9:34
